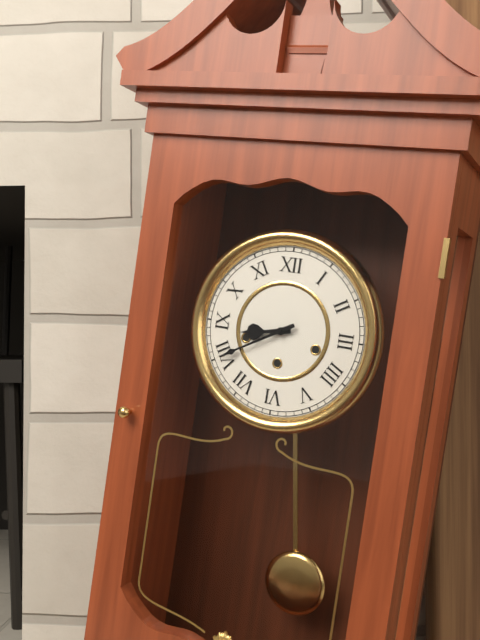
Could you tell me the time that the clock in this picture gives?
8:40
